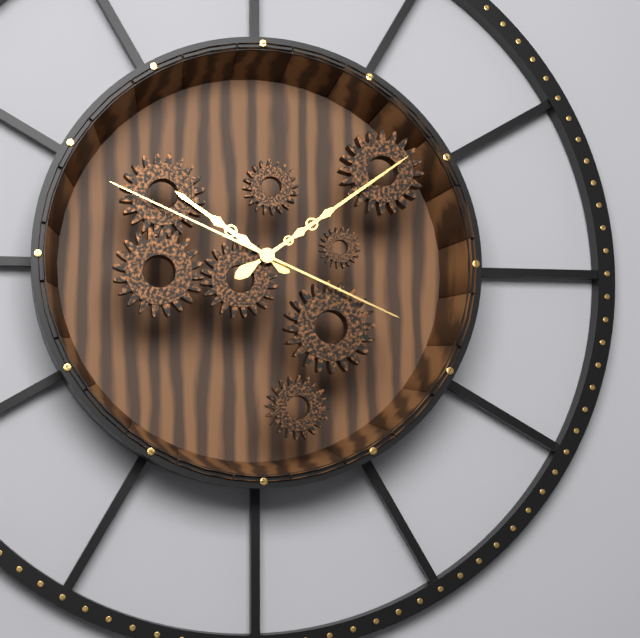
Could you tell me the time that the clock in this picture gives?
10:09:49
